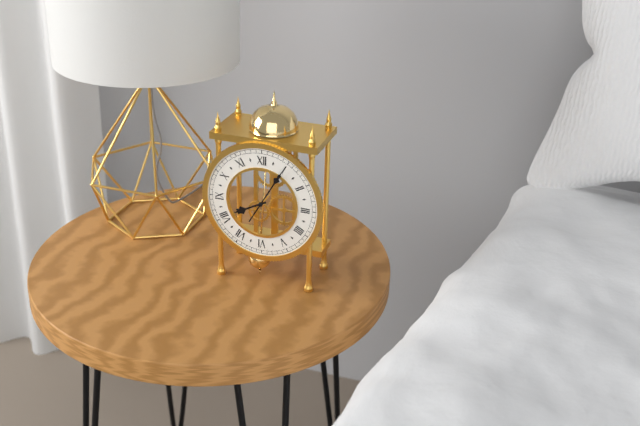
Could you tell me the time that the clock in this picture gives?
8:05
